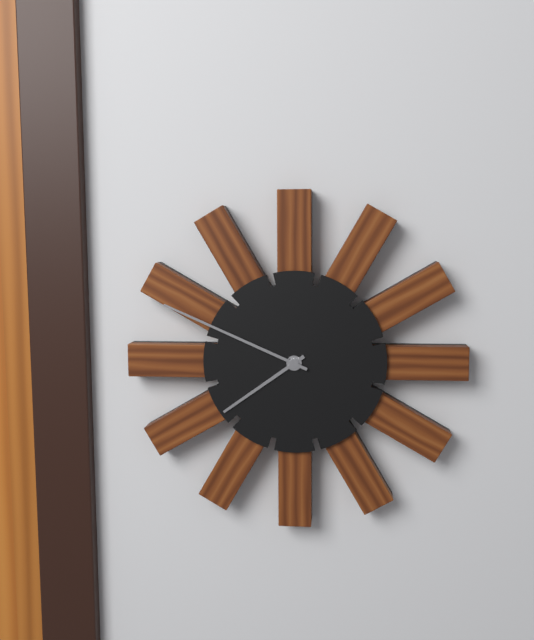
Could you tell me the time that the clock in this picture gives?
7:49
